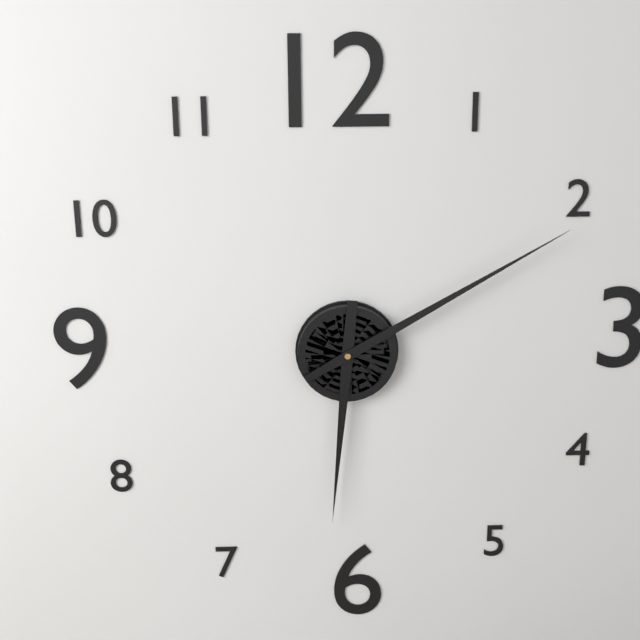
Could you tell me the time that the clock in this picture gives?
6:10
